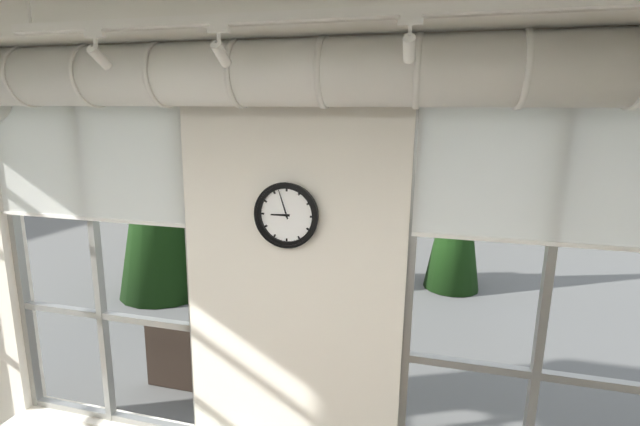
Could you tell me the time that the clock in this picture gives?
8:57
